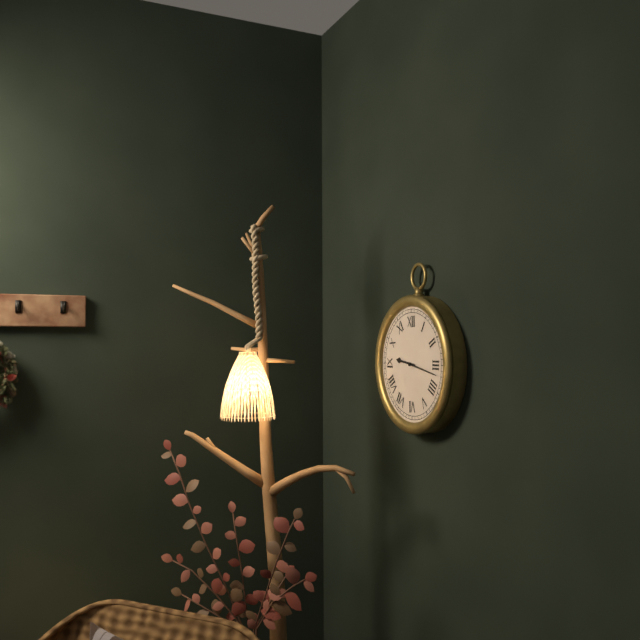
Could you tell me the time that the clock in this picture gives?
9:17
